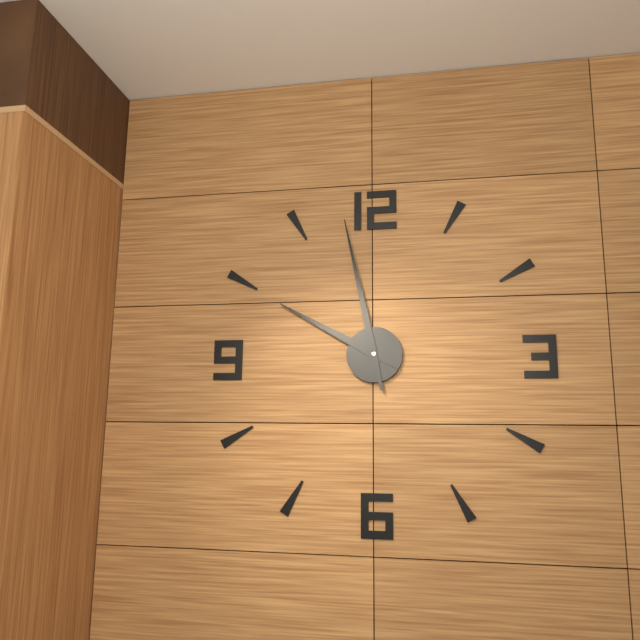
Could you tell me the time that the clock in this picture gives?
9:58
